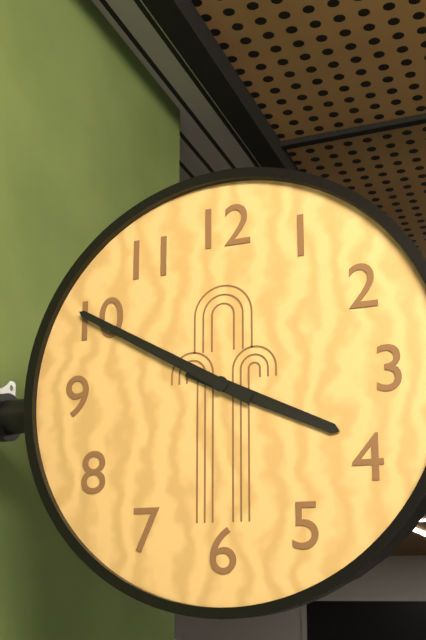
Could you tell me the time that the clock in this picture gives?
3:50
